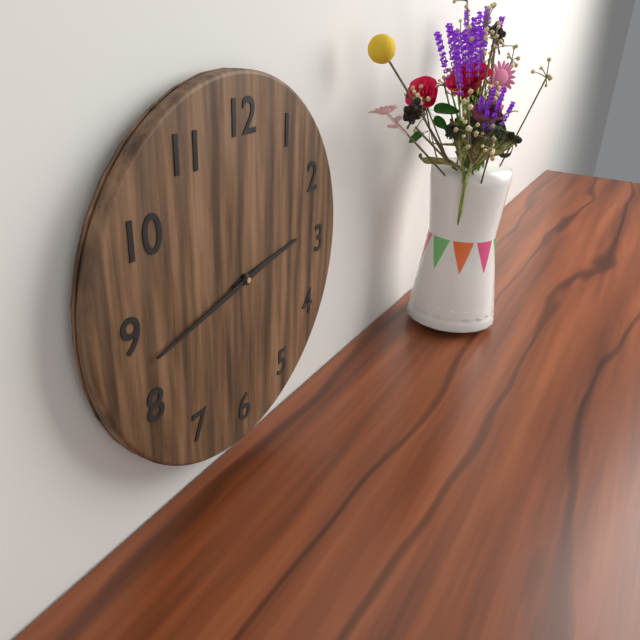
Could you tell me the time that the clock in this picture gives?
2:43
